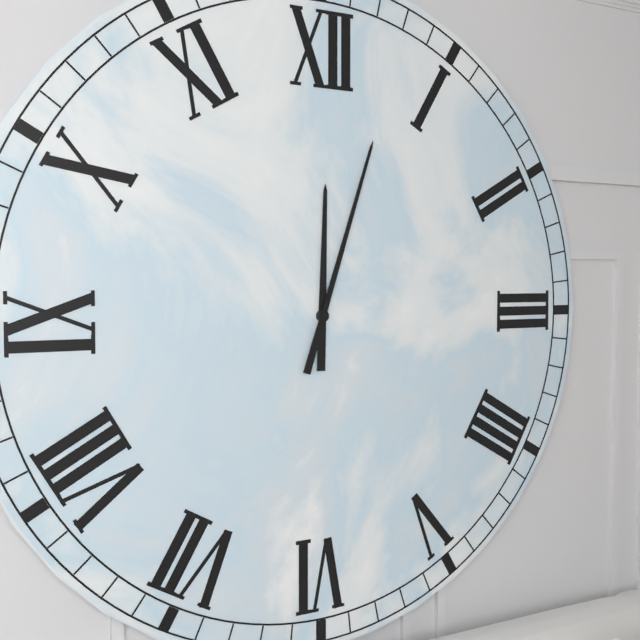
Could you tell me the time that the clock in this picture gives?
12:03
